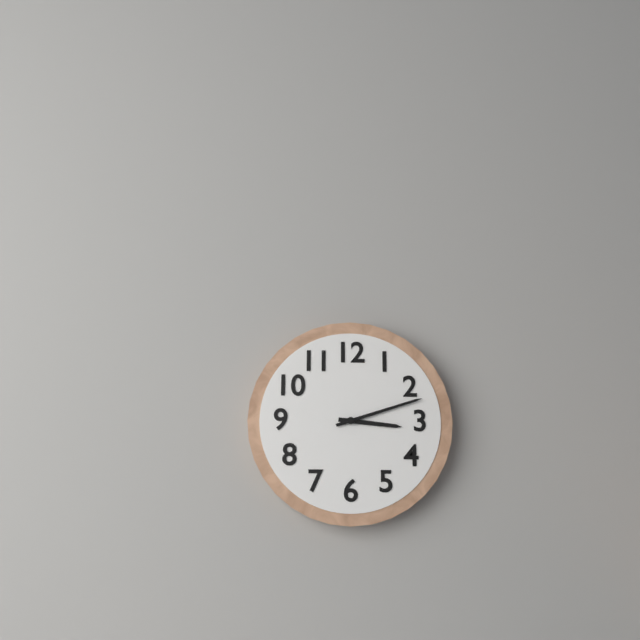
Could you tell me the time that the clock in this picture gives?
3:12
